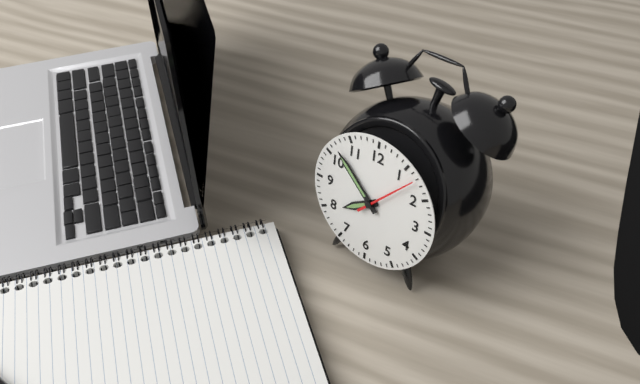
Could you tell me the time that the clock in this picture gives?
7:52:07
